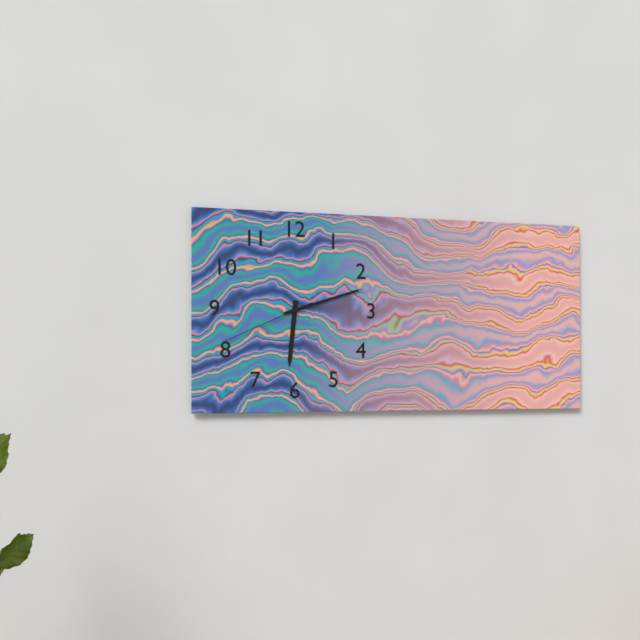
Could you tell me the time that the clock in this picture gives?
6:12:41
